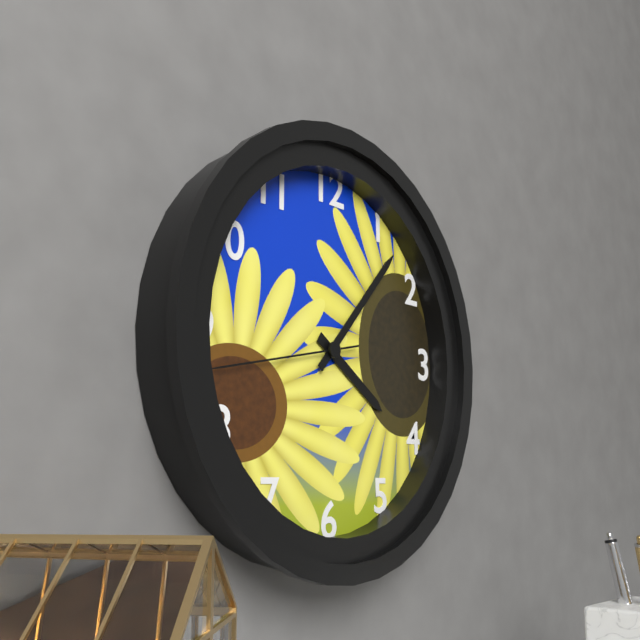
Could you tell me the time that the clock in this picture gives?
4:07:43
